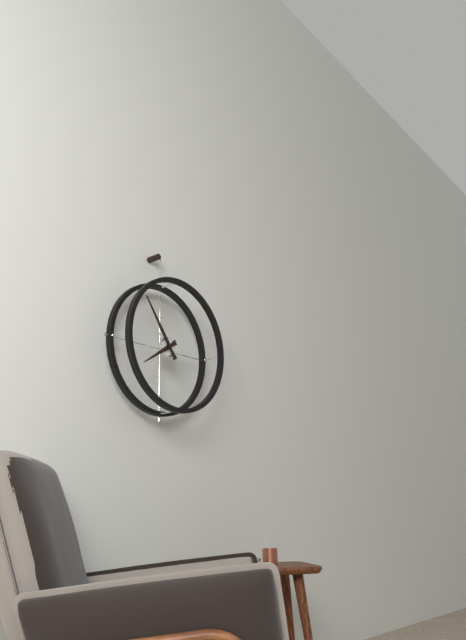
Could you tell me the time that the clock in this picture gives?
7:54
